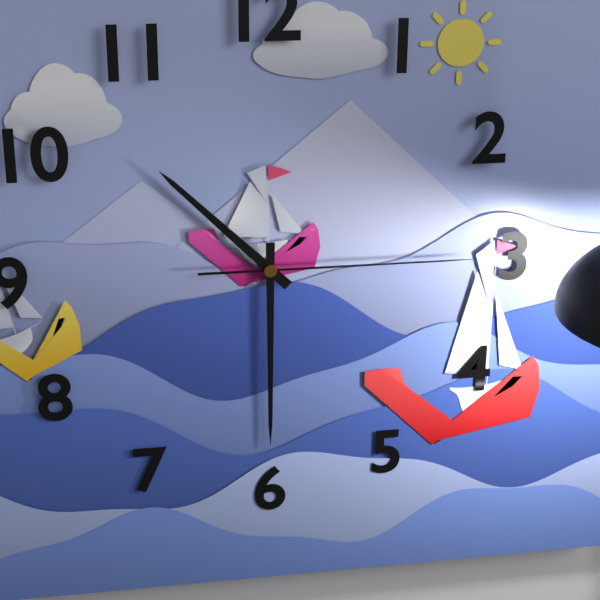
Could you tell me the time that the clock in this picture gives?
10:30:15
